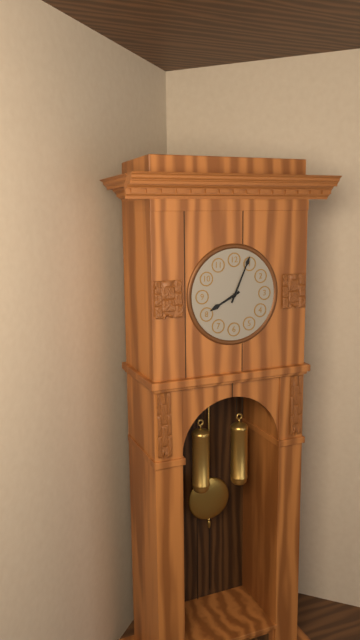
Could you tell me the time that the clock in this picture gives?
8:04
